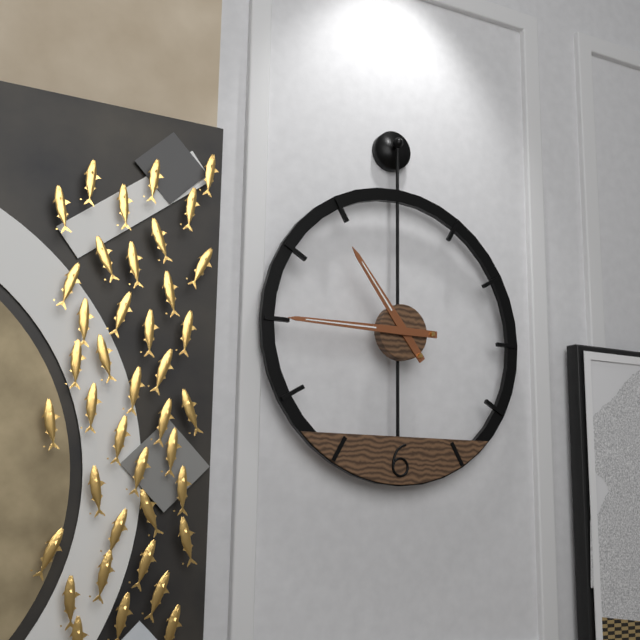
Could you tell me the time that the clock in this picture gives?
10:45
